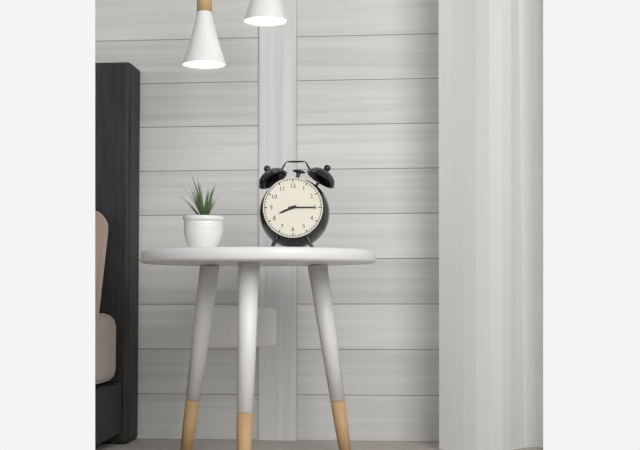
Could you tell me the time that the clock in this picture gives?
8:15
